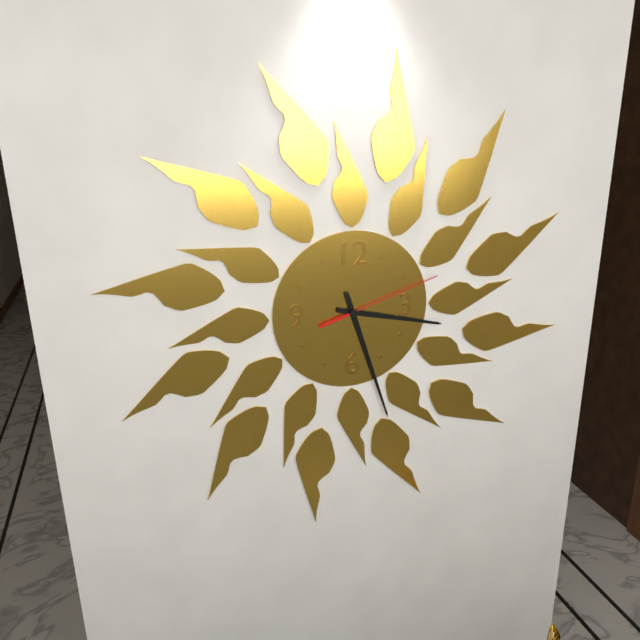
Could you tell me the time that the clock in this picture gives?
3:27:12
